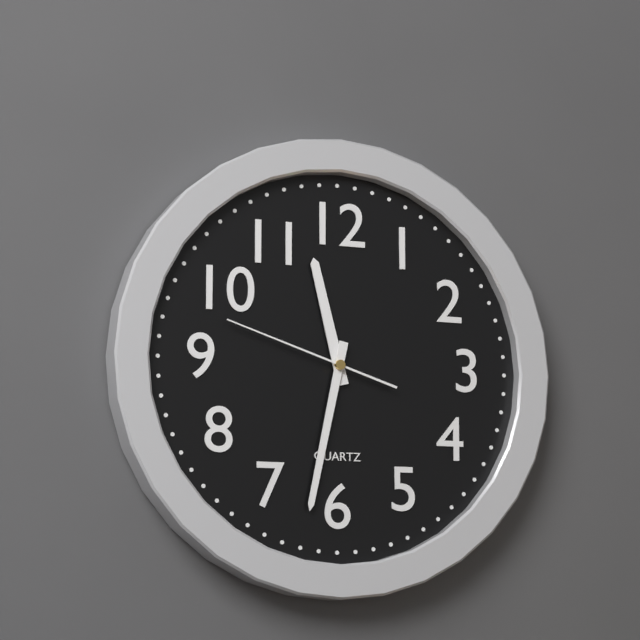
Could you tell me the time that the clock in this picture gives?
11:32:48
